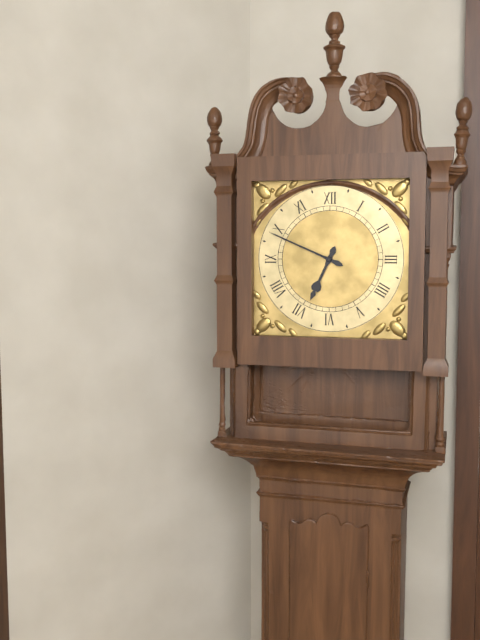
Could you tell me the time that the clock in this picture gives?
6:49
